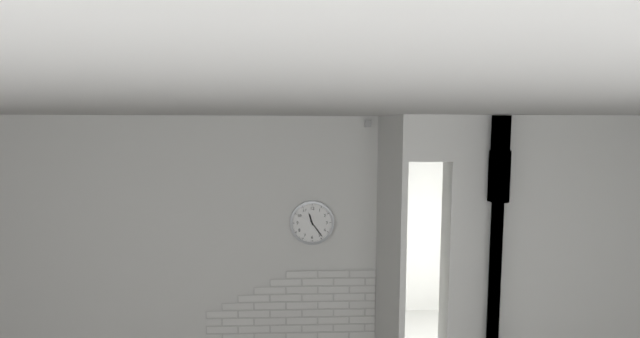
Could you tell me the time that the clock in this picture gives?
11:24
